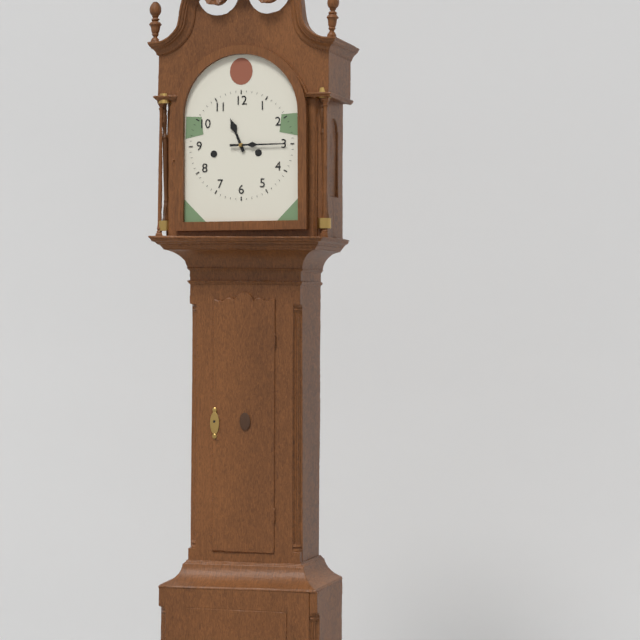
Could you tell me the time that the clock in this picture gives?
11:15
